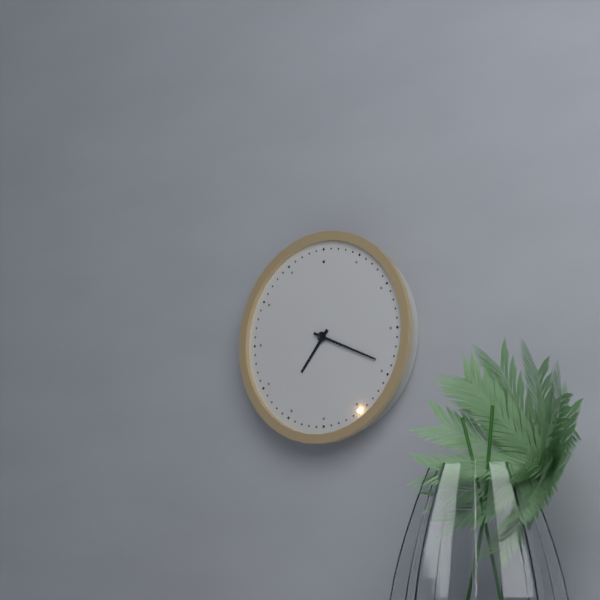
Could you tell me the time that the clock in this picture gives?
7:19
